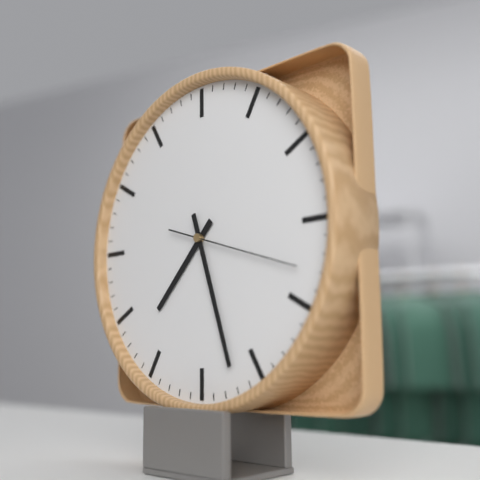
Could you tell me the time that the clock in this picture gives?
7:27:18
